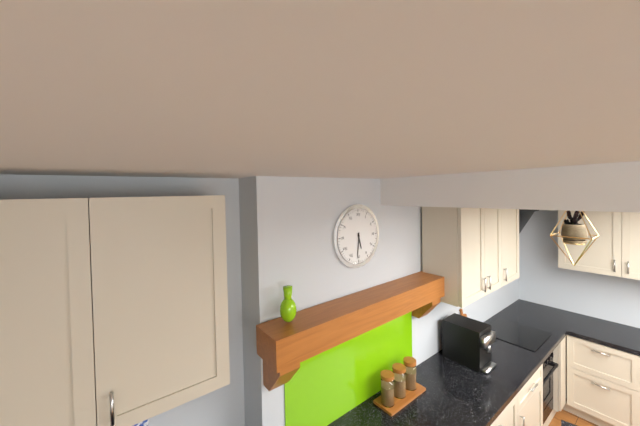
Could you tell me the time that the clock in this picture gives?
5:31
